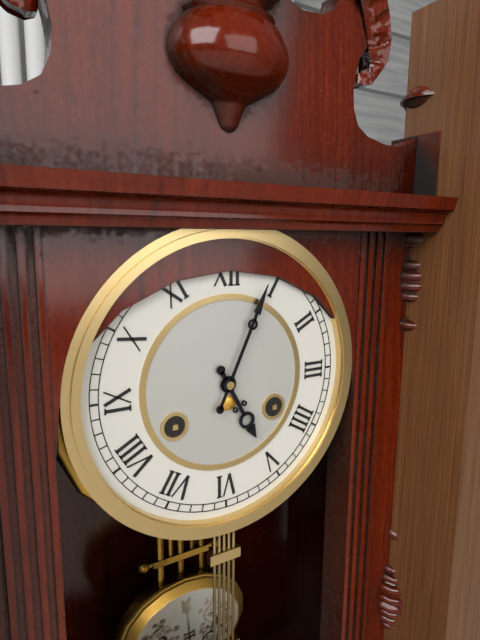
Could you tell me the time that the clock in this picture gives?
5:04
